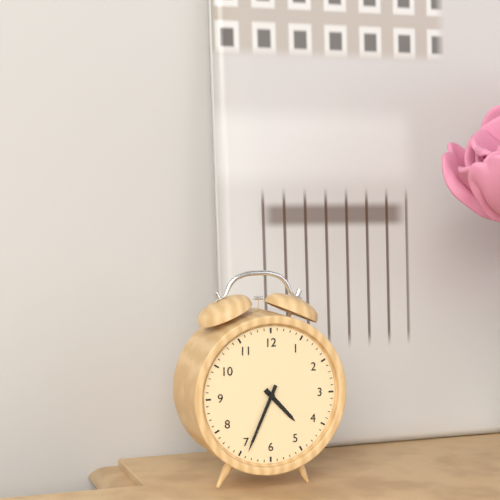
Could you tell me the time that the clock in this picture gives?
4:34
